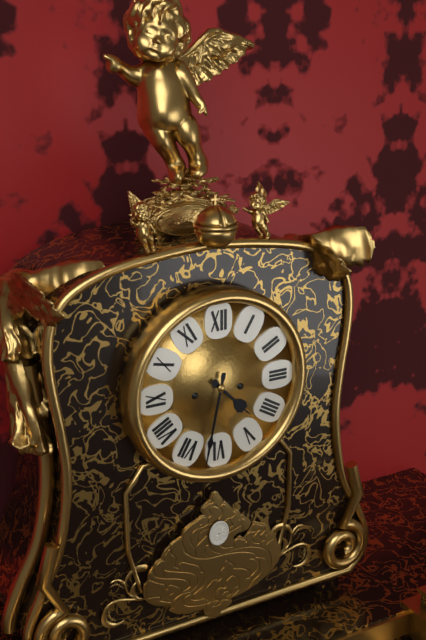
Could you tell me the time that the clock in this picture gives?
4:32
